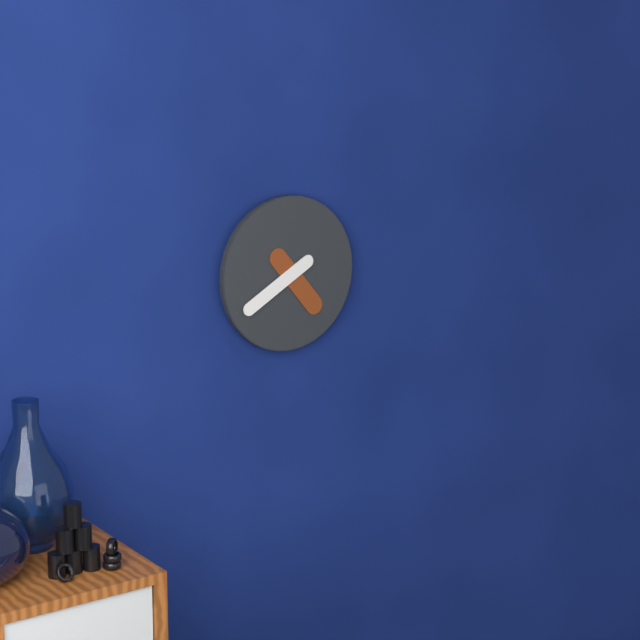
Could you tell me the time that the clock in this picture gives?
4:40
